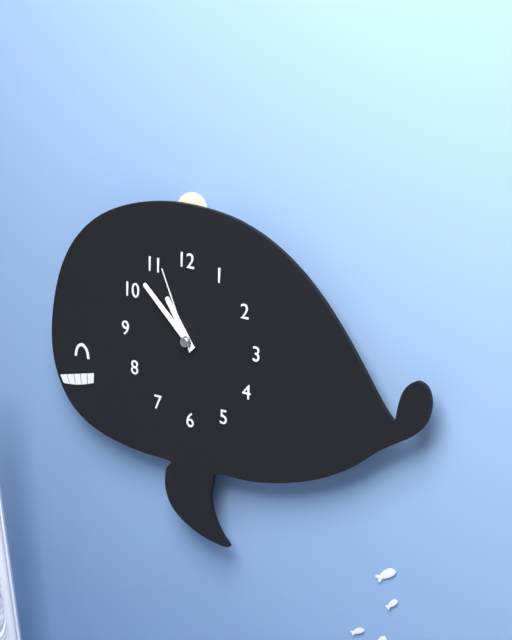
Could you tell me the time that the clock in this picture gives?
10:52:56
